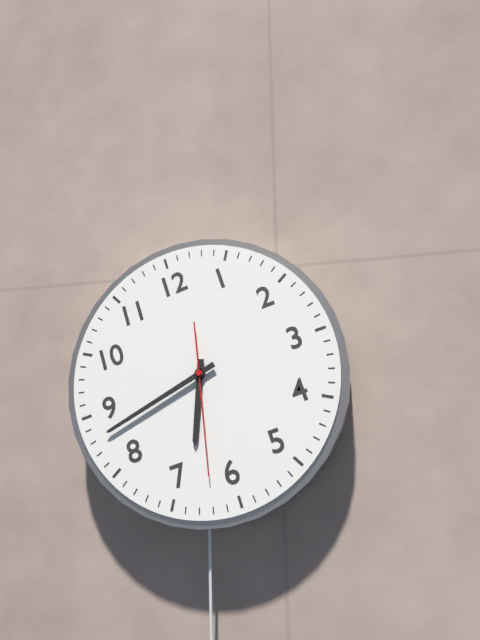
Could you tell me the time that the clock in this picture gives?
6:43:32
